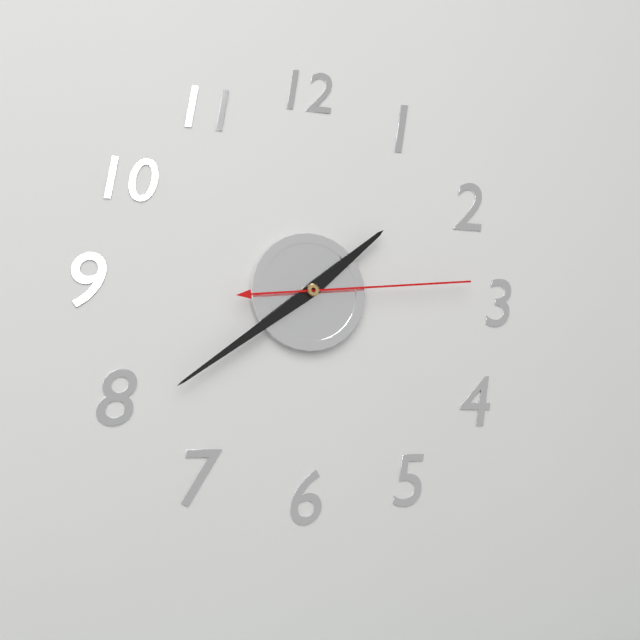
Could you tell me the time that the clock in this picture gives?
1:39:14
